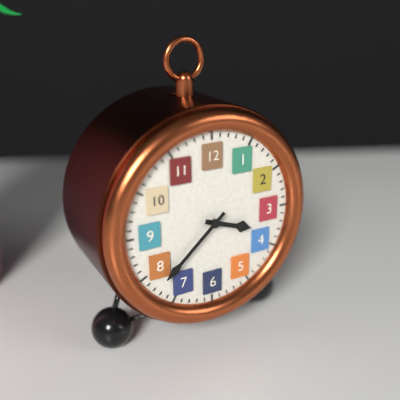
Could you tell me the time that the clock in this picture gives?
3:38
